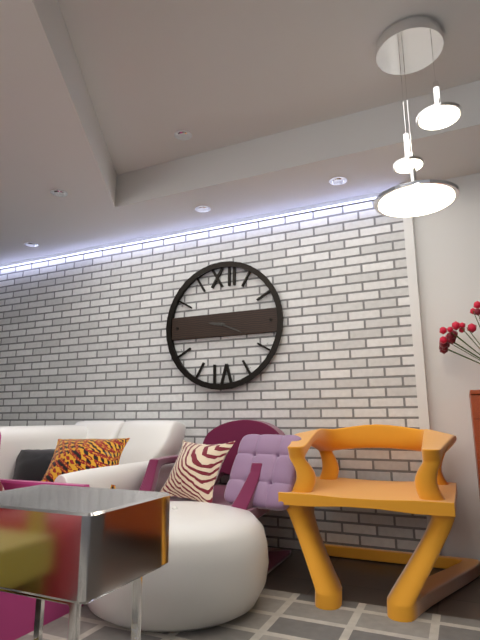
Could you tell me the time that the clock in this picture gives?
9:19
